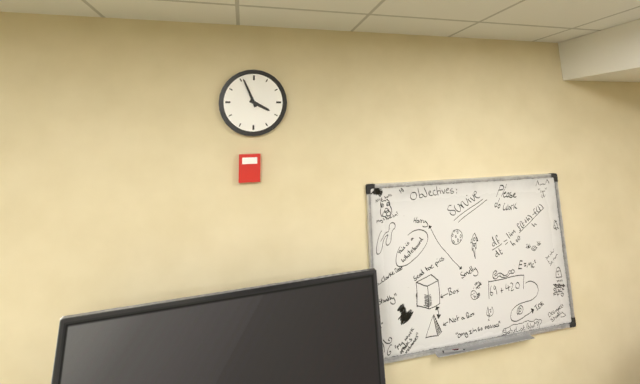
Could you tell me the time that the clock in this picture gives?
3:56
